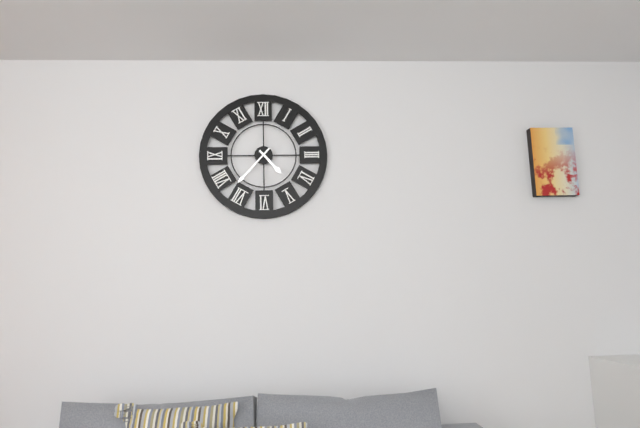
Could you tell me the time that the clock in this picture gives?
4:37
